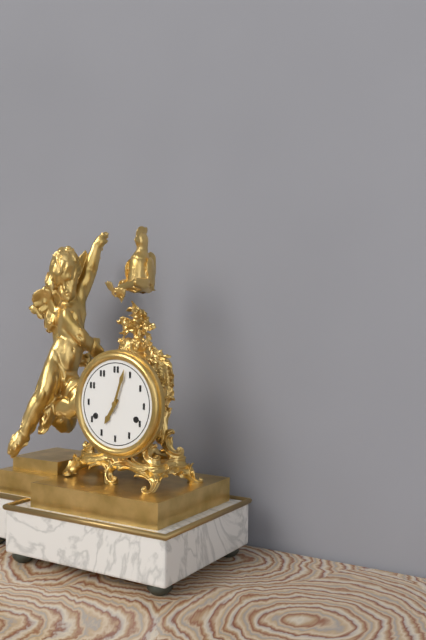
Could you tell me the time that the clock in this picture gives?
7:03
